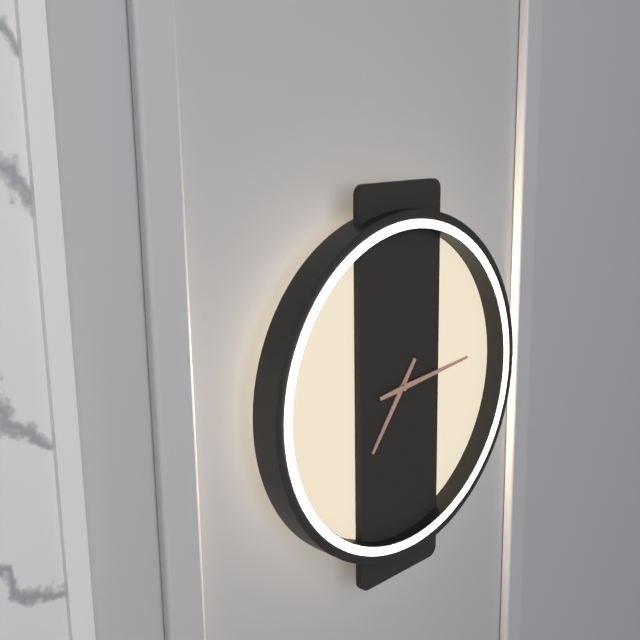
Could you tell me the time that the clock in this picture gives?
7:14
